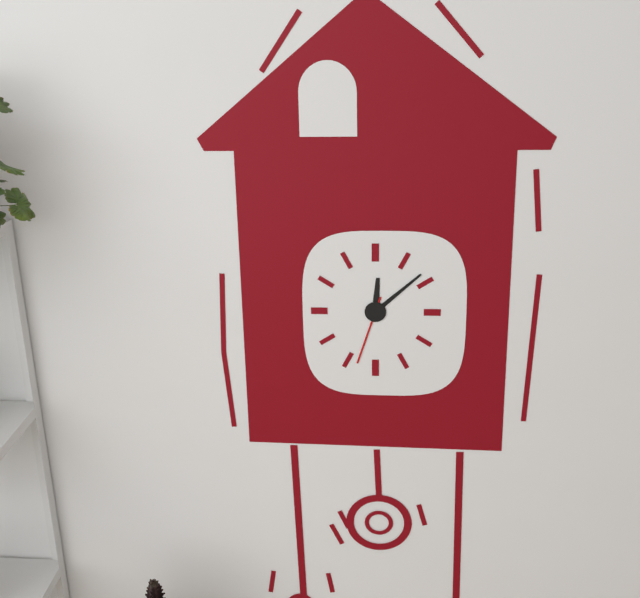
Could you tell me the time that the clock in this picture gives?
12:08:33
